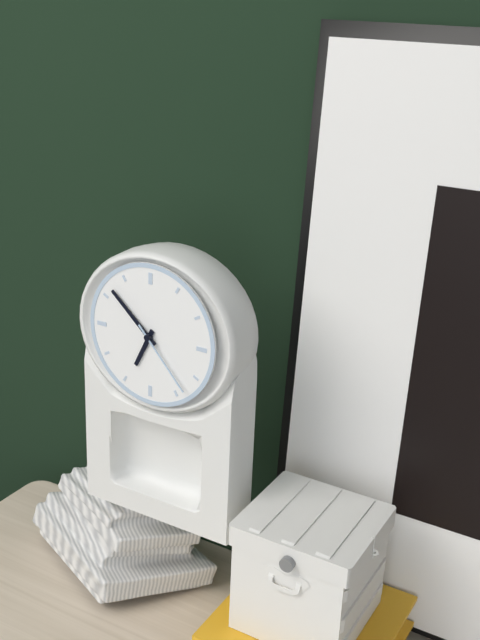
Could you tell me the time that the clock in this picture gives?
6:52:23
